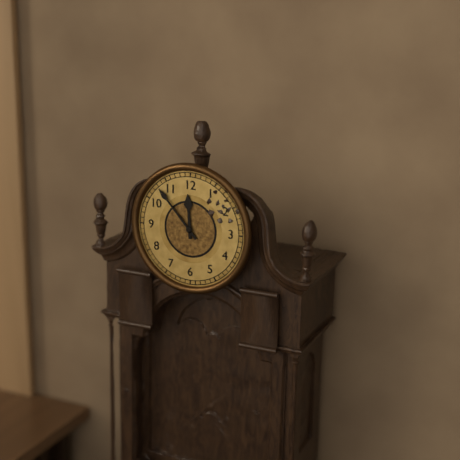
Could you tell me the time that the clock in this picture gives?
11:53
